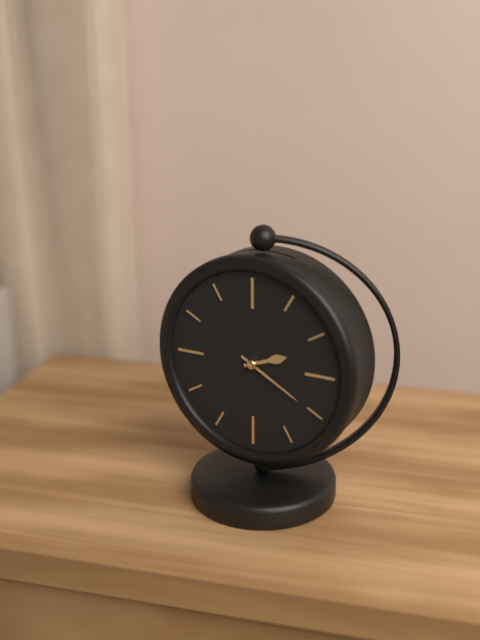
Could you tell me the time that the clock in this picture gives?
2:20
